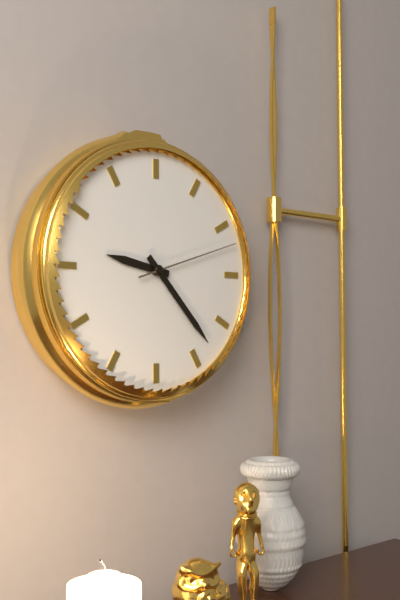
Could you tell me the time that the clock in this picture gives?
9:23:12
